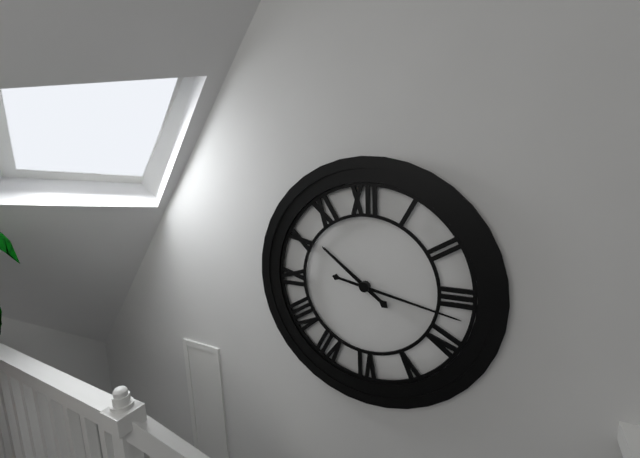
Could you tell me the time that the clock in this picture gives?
10:17
